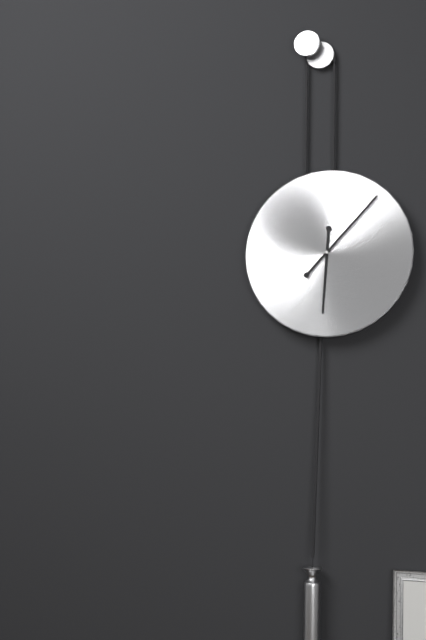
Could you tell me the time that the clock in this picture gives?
6:07
